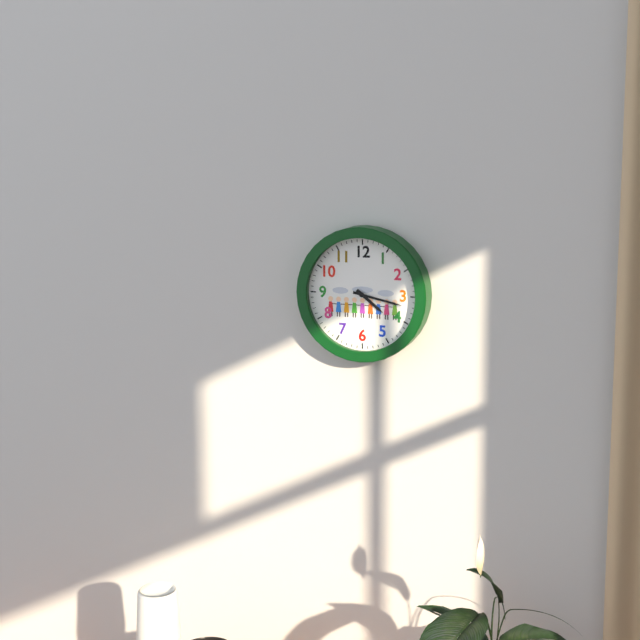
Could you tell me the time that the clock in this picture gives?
4:17
